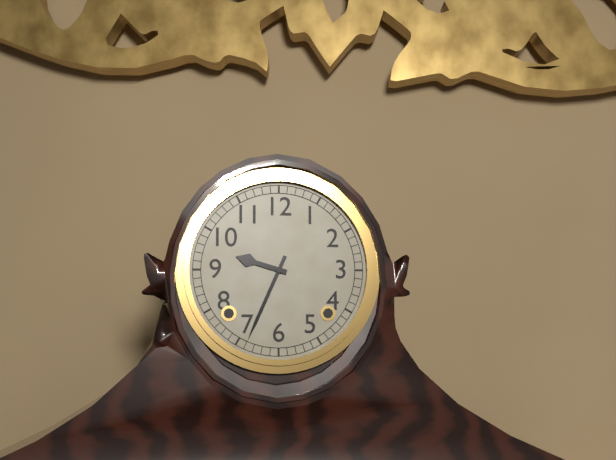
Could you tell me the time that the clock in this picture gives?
9:34
